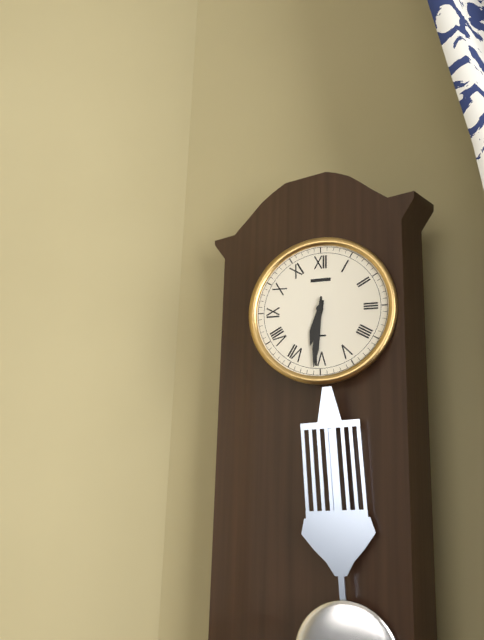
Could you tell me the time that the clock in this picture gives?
6:31
